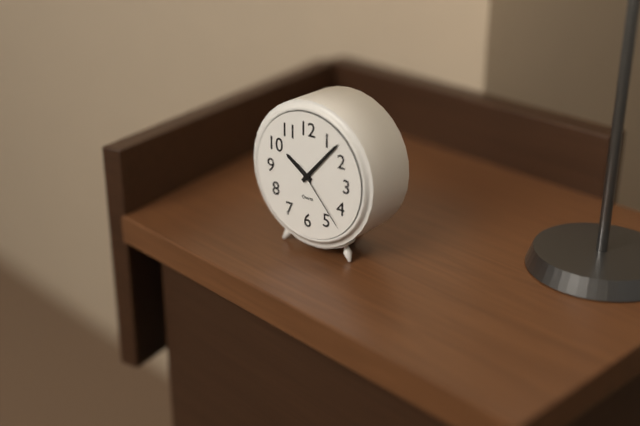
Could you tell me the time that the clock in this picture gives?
10:07:23
